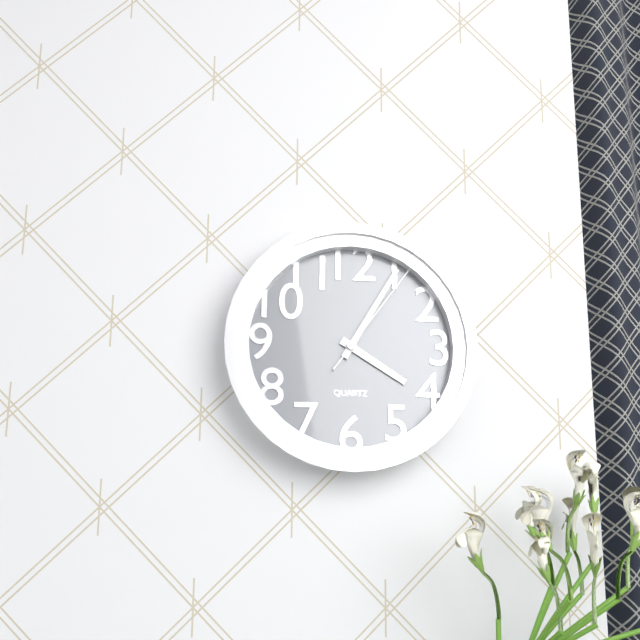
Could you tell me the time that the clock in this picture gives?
4:05:06
